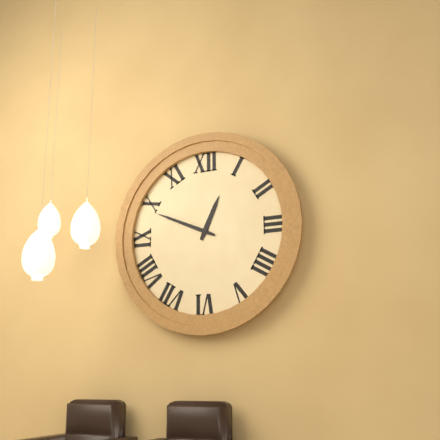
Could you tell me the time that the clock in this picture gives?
12:49
